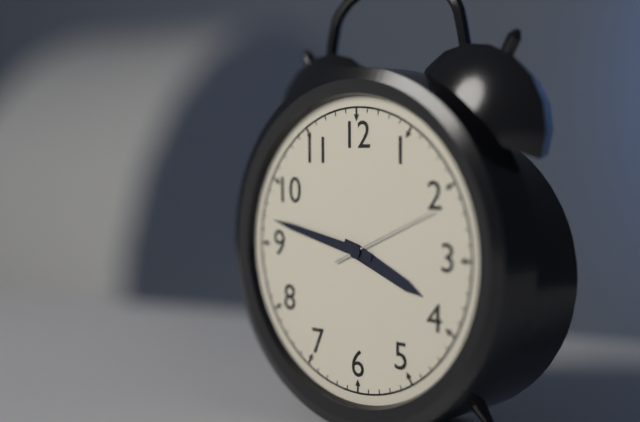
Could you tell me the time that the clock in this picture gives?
3:47:11
